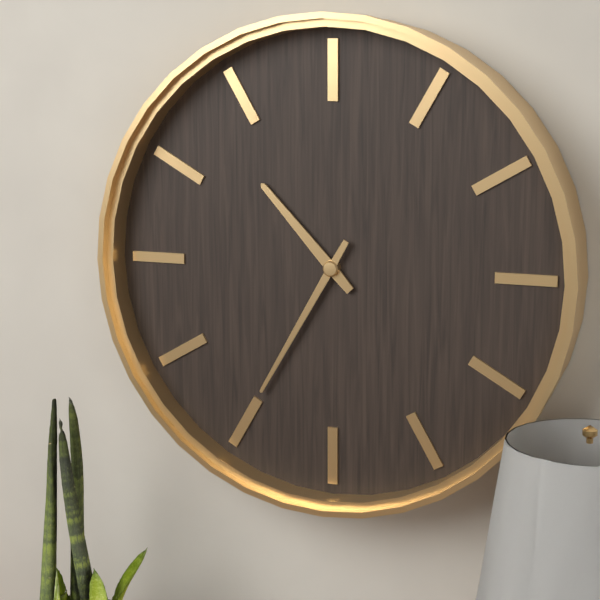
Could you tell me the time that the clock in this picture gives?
10:35
